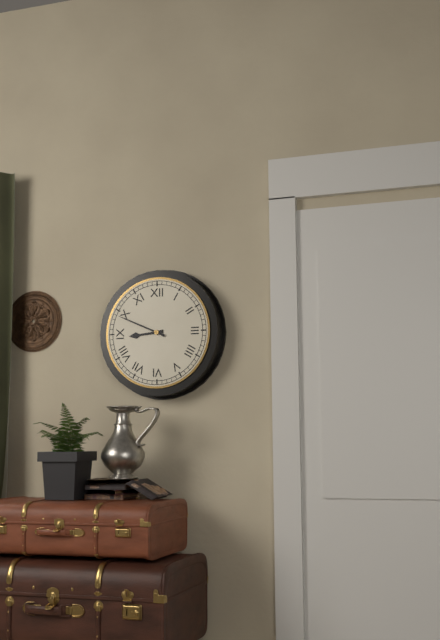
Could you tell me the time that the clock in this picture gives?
8:49
